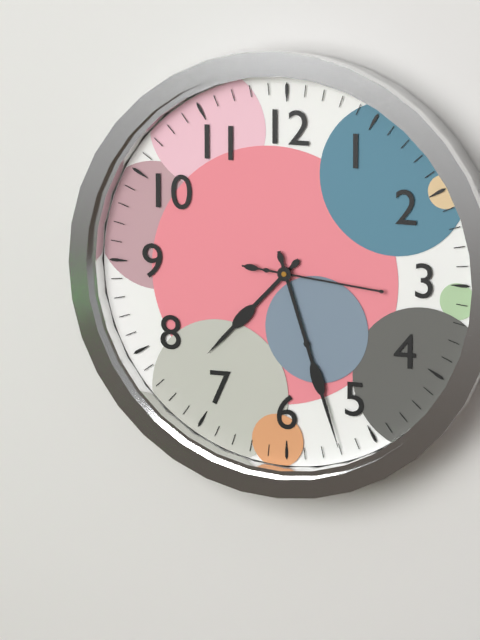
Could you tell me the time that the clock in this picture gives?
7:27:16
